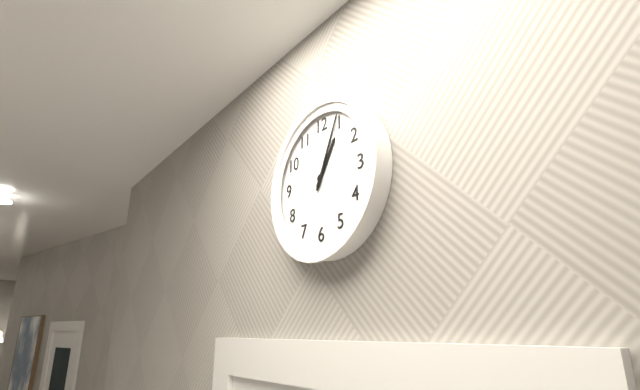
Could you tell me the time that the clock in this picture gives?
1:04
